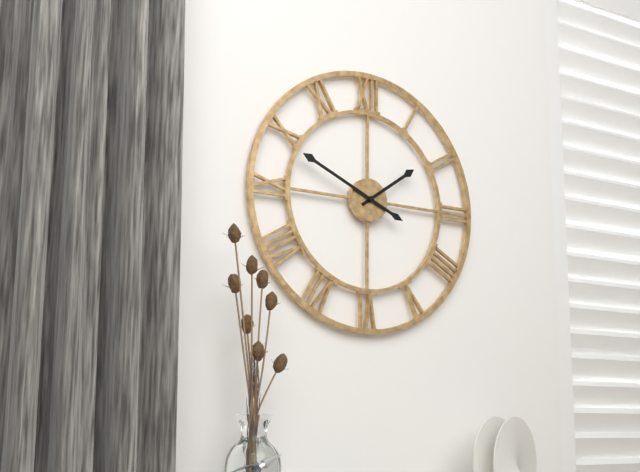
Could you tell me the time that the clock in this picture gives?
1:49
